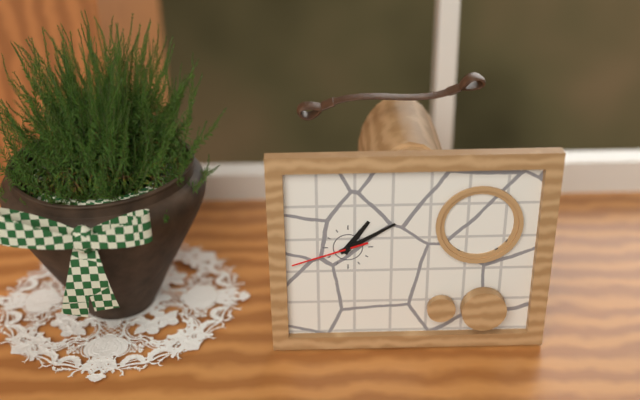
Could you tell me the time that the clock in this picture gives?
1:10:42
